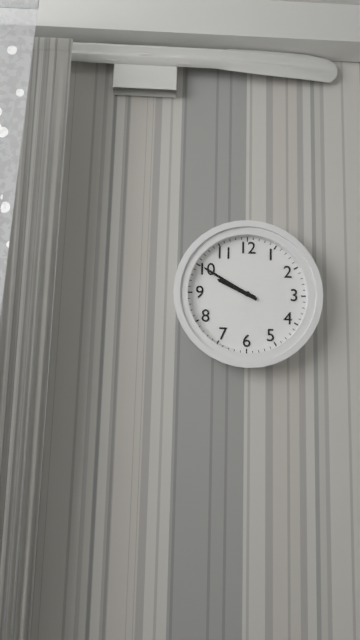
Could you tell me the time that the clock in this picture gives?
9:50
